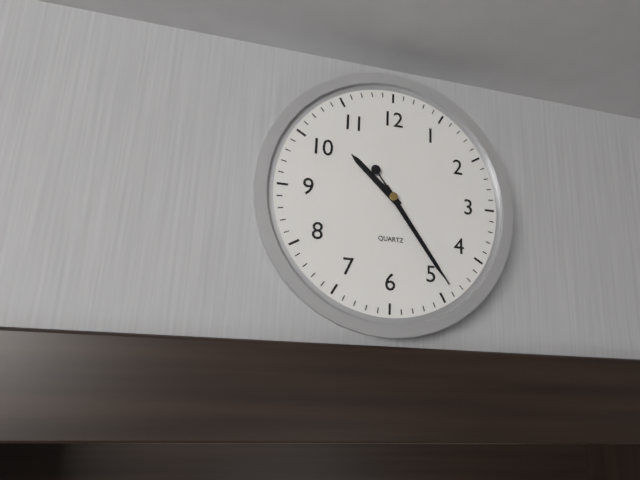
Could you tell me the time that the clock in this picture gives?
10:24:24
